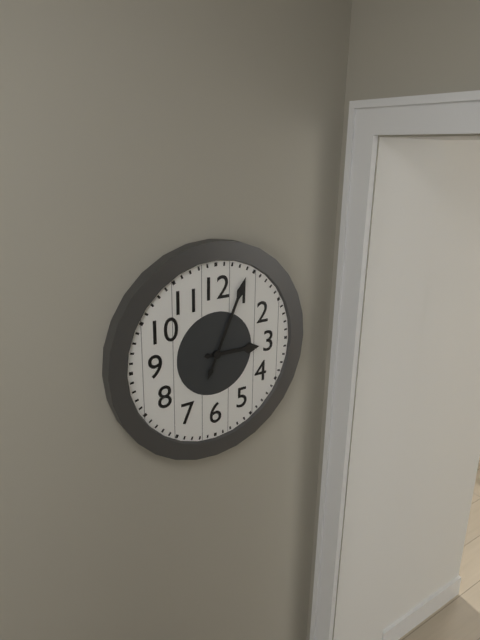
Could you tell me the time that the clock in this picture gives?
3:04
